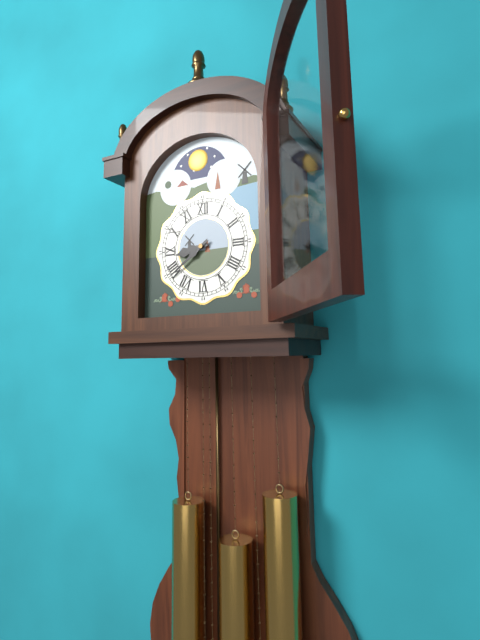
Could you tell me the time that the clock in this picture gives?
8:39
